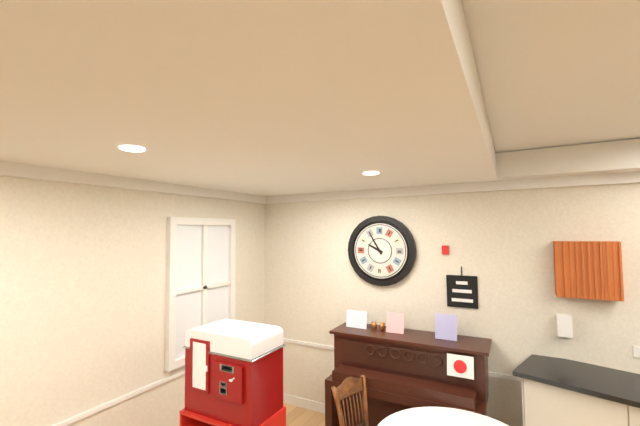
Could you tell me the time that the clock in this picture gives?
9:55
